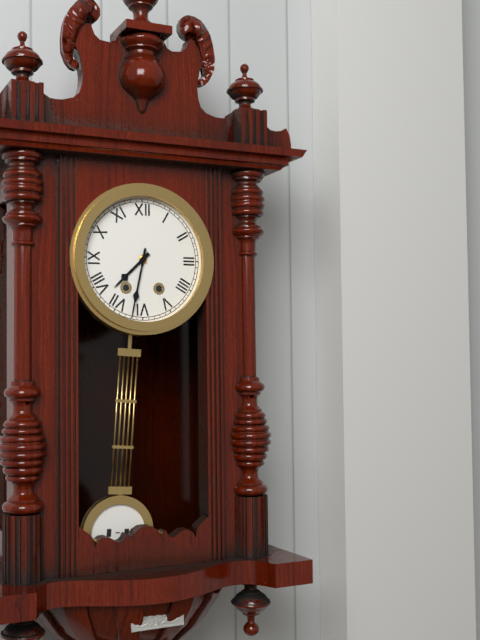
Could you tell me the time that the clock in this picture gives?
7:32
